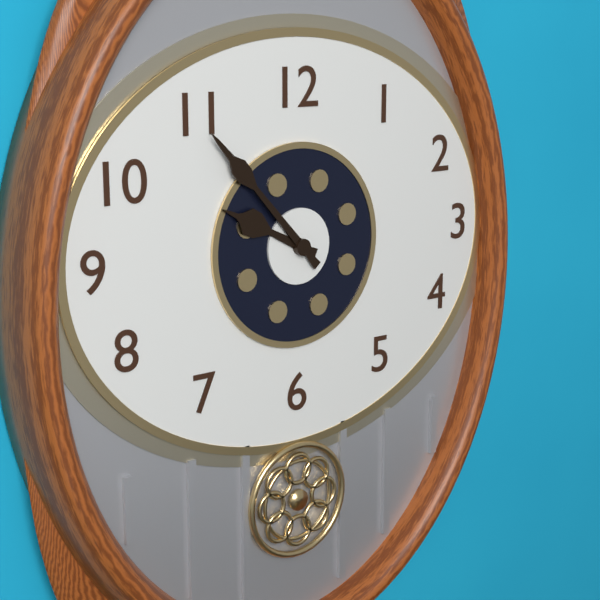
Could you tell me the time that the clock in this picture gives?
9:53
